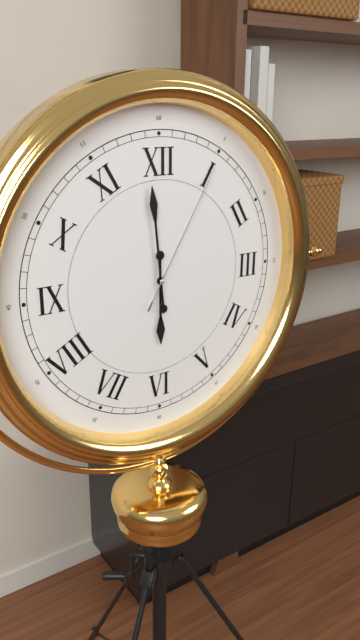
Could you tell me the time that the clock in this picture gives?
5:59:05
